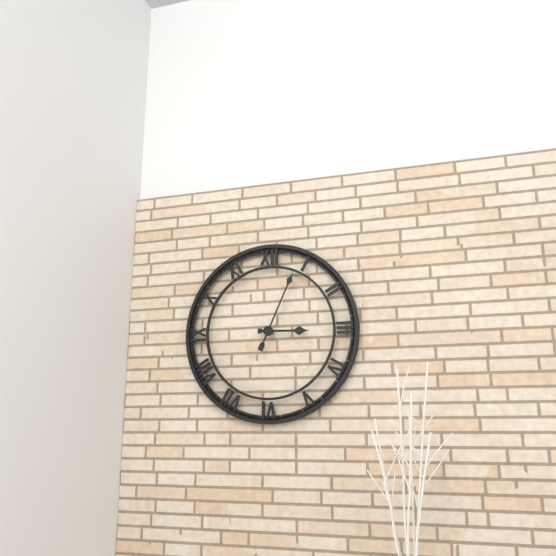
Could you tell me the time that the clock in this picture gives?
3:04
